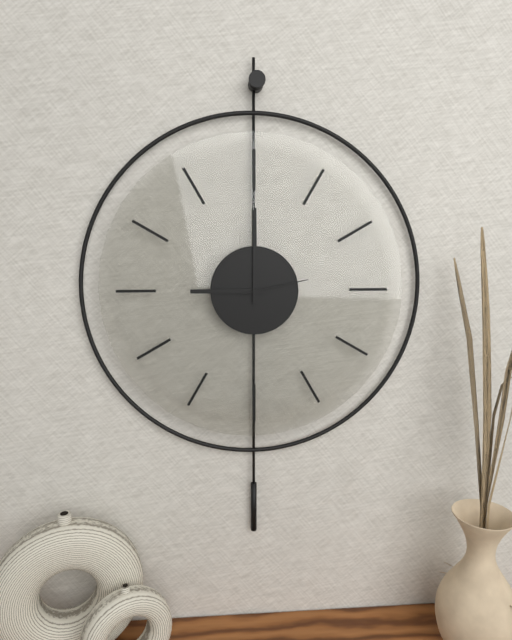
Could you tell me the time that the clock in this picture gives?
9:00:13
